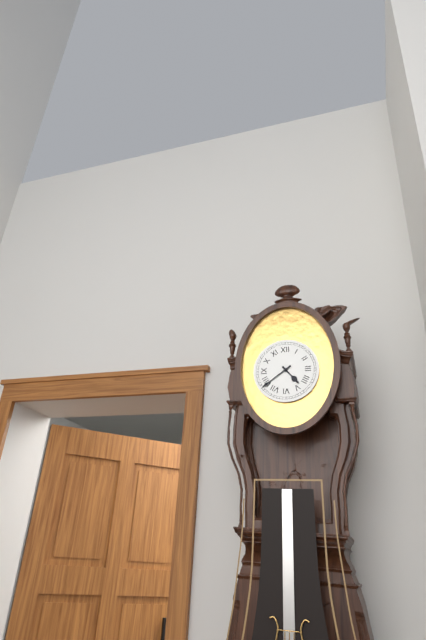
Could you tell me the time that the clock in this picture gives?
4:39
